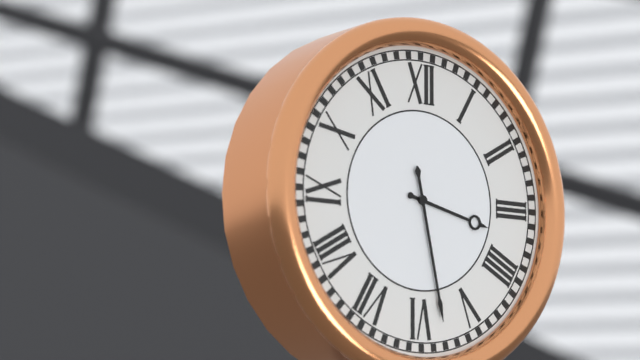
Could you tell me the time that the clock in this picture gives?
3:28
